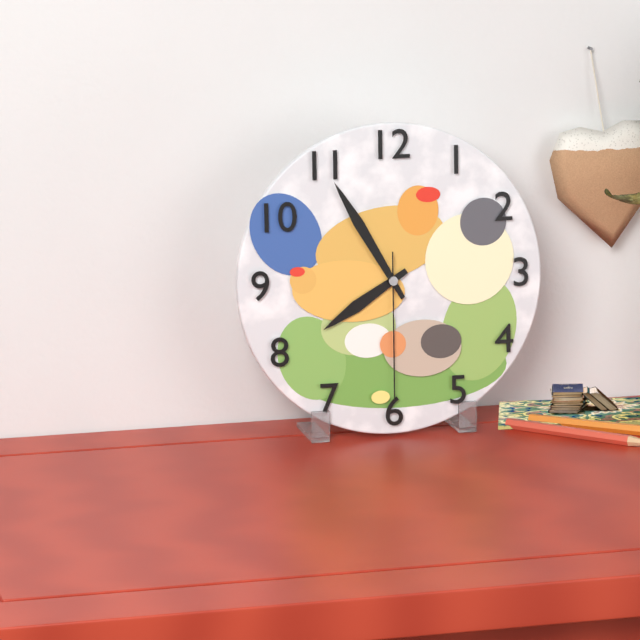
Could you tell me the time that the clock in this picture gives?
7:55:30
